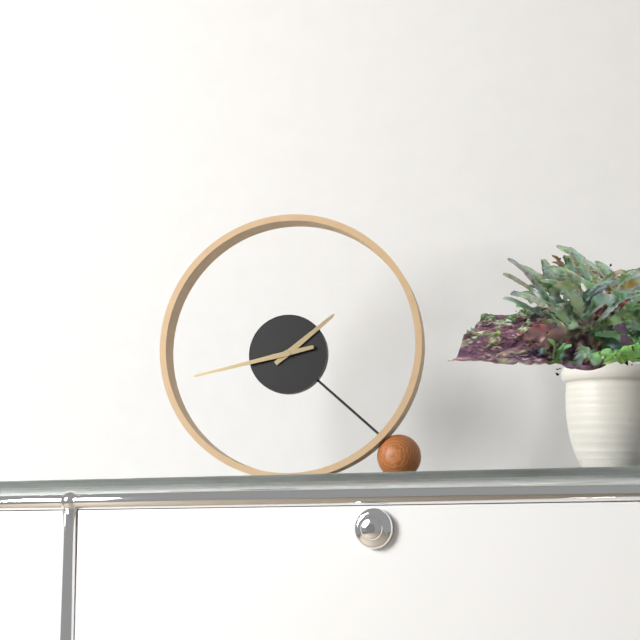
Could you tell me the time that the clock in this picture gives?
1:43
